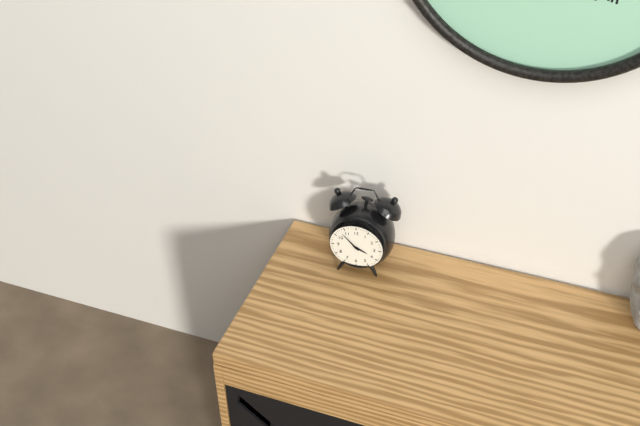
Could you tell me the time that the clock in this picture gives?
3:53
